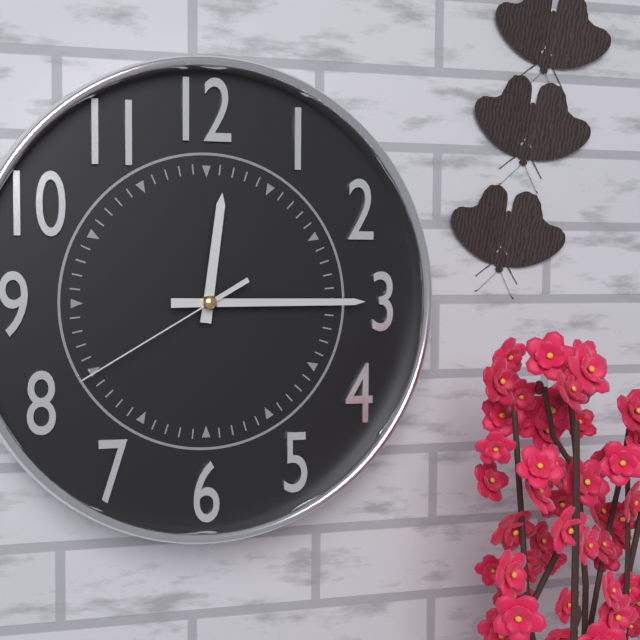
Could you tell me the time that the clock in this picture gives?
12:15:40
